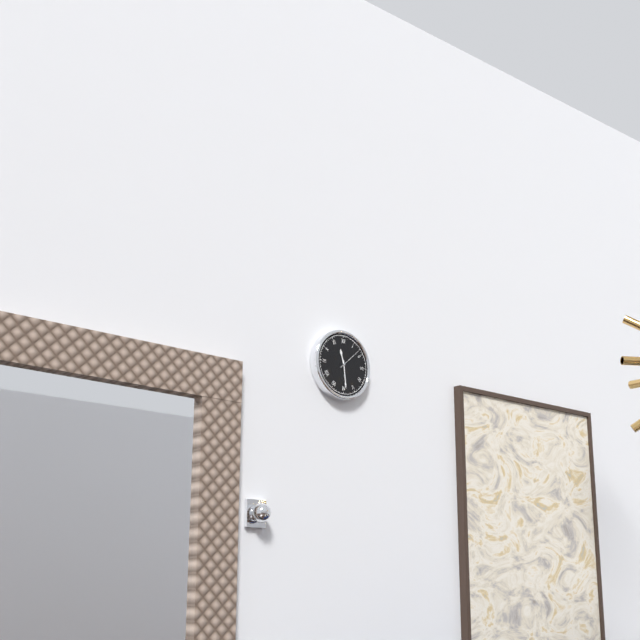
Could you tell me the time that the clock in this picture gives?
11:29
